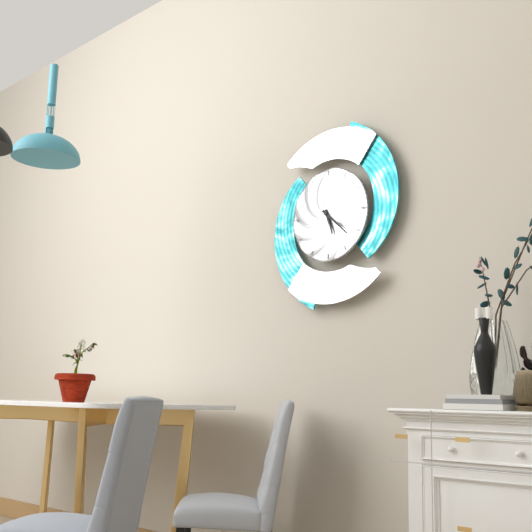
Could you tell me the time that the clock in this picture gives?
5:22
